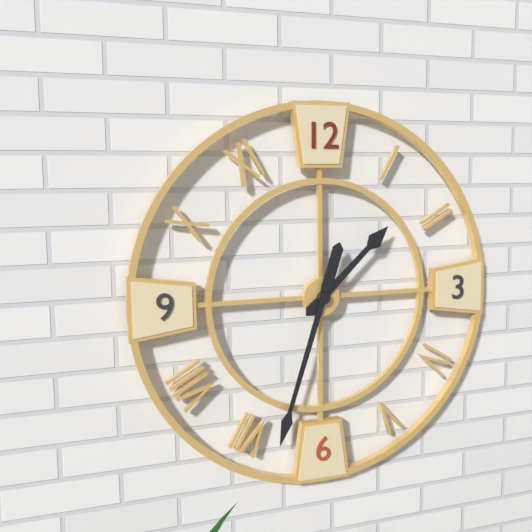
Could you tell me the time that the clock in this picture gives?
1:33
